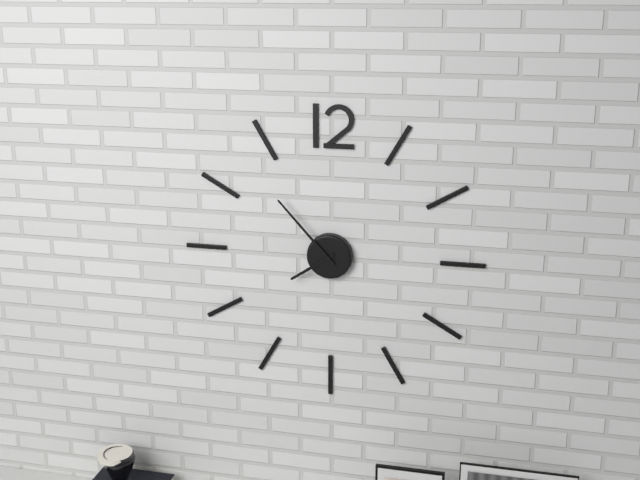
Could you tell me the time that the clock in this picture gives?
7:53
